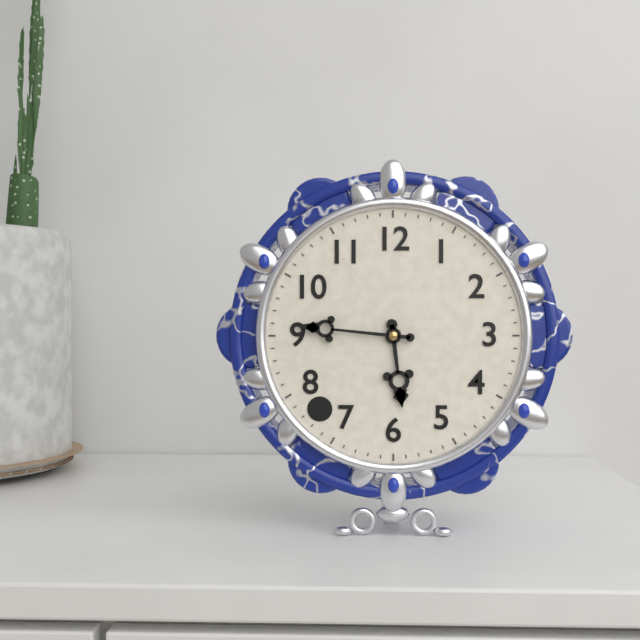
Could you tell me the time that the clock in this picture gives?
5:46
